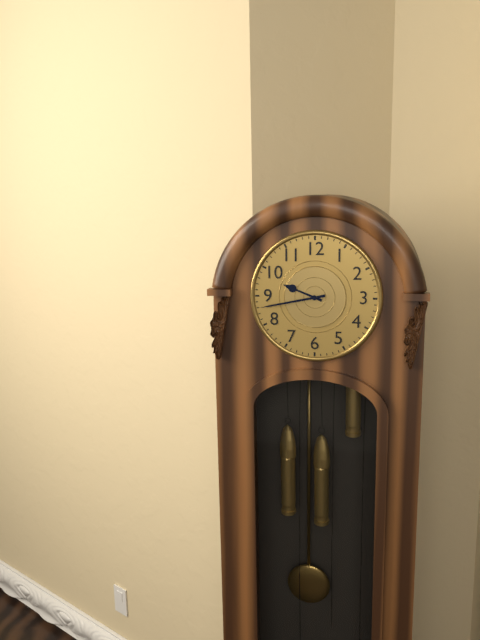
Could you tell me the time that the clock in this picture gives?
9:43
